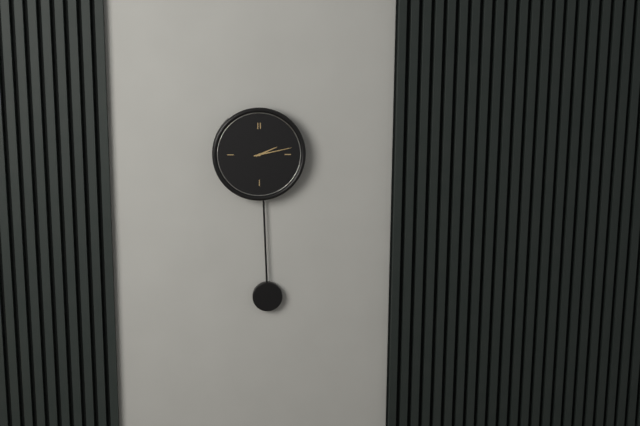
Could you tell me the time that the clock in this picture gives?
2:13
